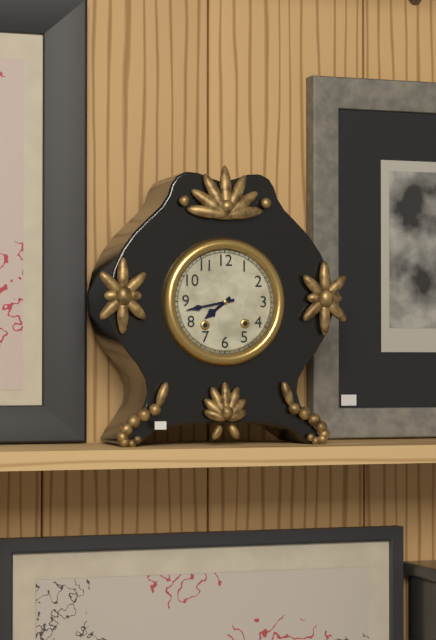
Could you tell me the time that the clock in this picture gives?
7:43
